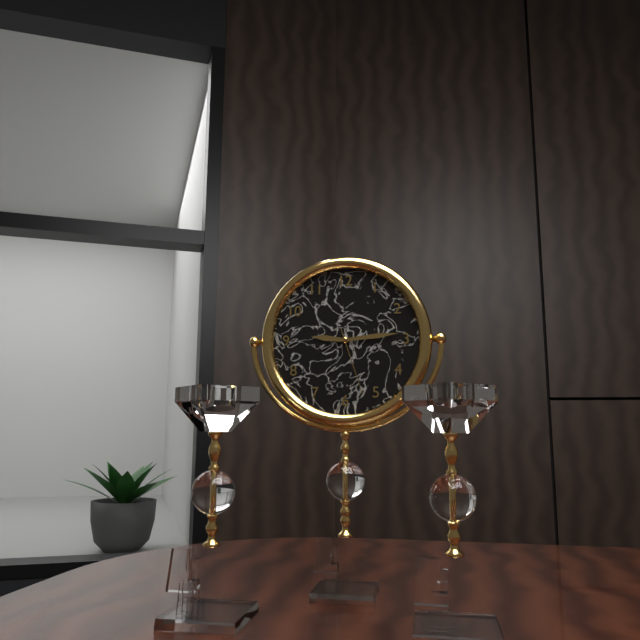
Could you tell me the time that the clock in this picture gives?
9:14:27
